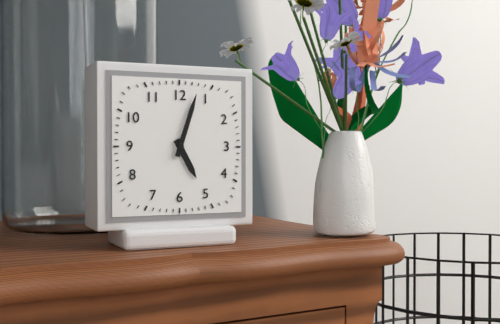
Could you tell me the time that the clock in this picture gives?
5:03
